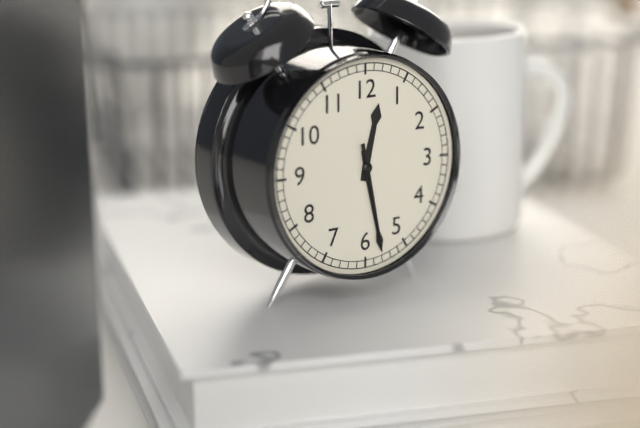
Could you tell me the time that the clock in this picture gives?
12:28:28
